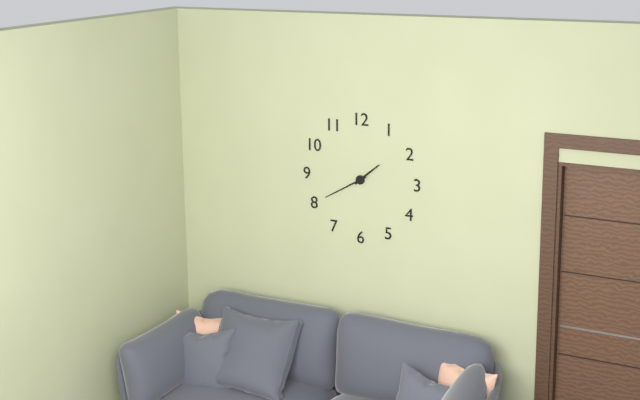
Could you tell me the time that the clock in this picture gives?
1:40
